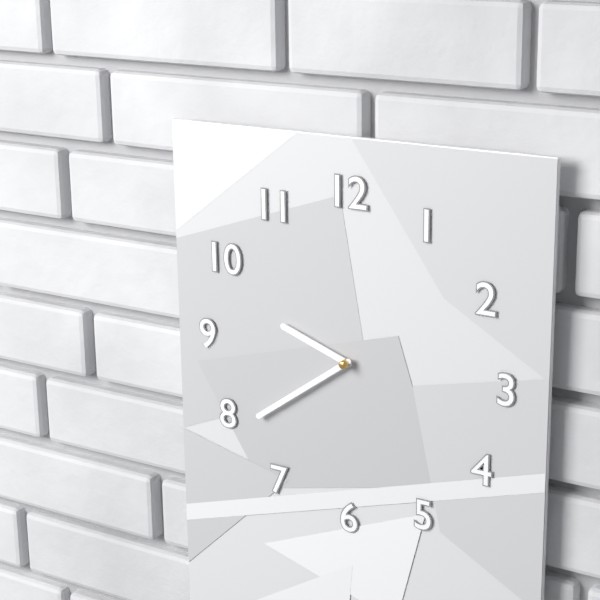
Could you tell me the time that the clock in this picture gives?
9:39
